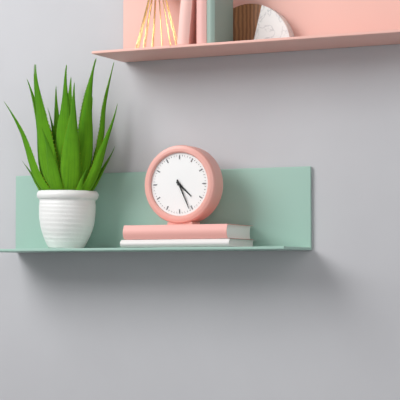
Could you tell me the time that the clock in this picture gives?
4:26
